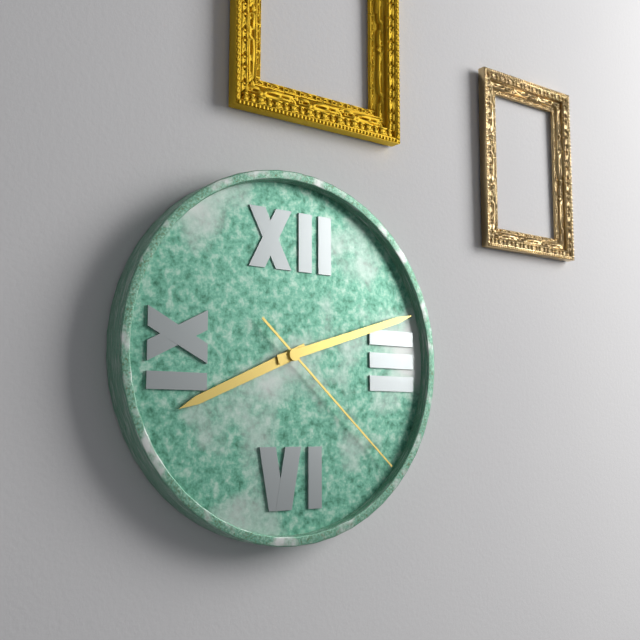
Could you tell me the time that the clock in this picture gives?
8:12:22
